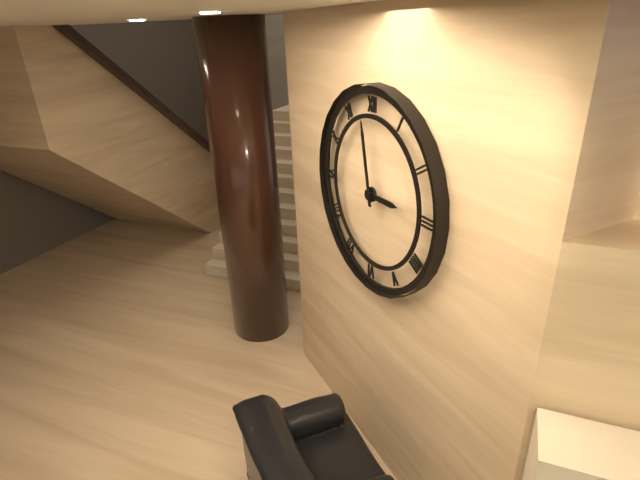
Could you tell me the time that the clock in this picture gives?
2:58
